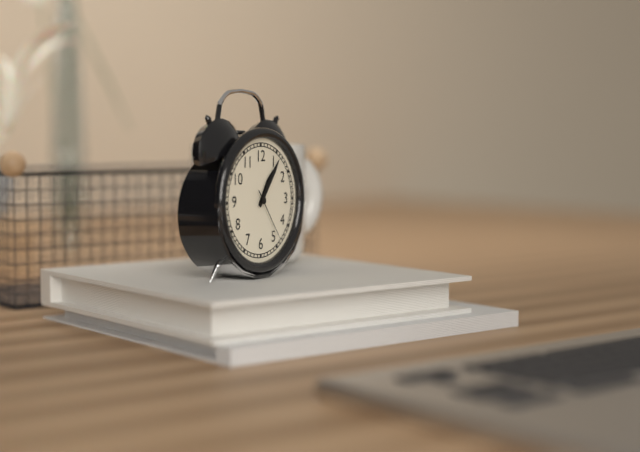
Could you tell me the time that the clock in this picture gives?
1:06:24
